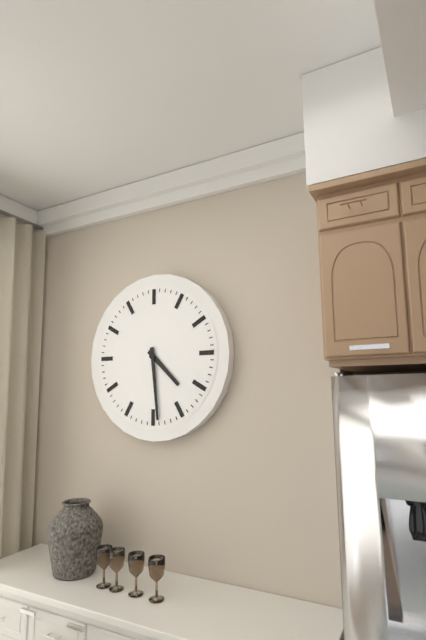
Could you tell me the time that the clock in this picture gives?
4:29
